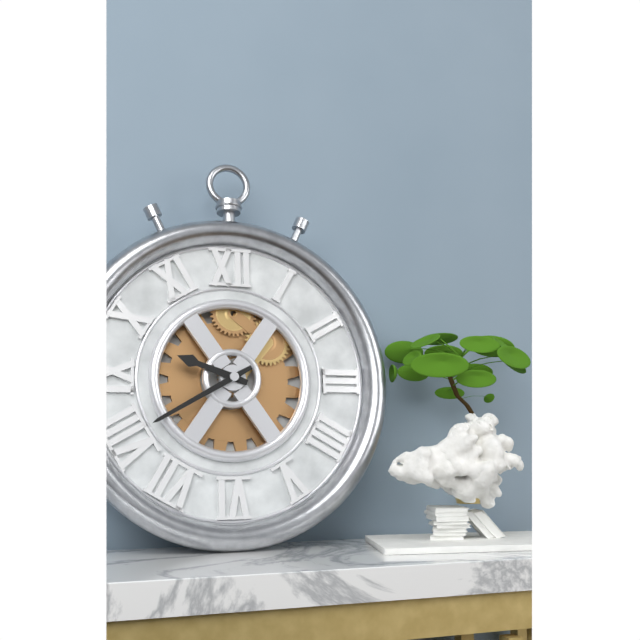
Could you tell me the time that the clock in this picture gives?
9:40
